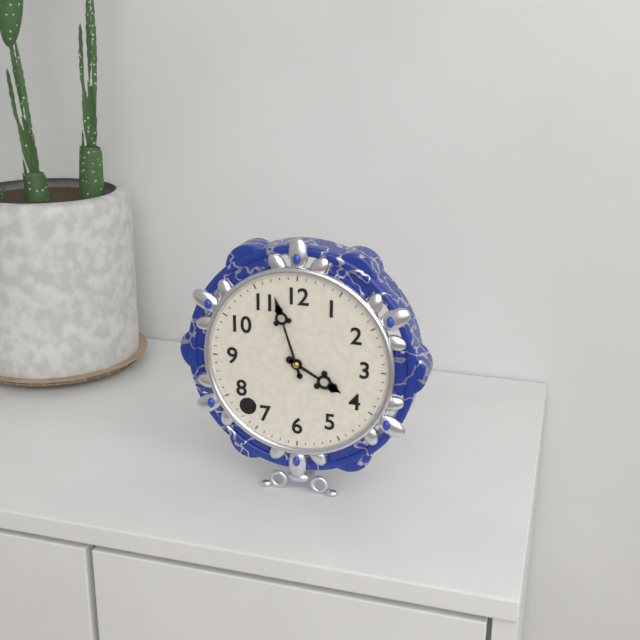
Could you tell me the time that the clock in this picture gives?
3:57
